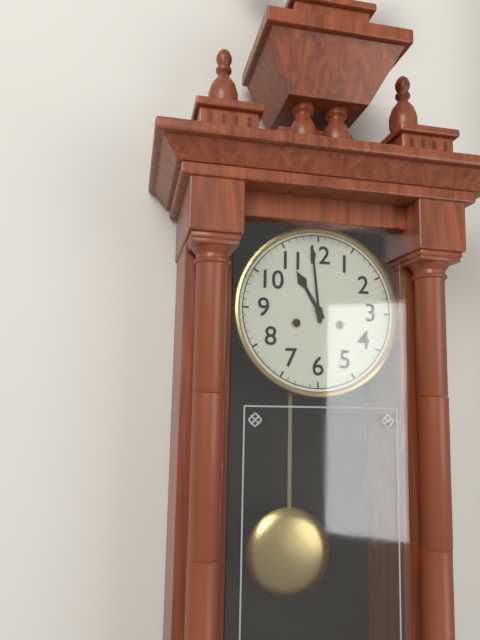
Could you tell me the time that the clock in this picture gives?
10:59
